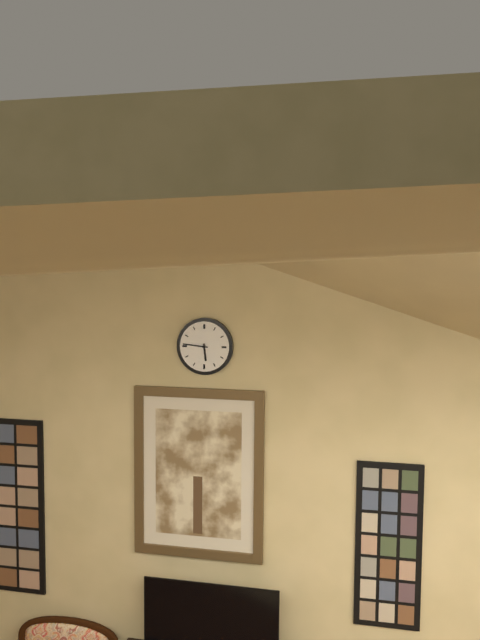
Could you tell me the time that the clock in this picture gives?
5:46
